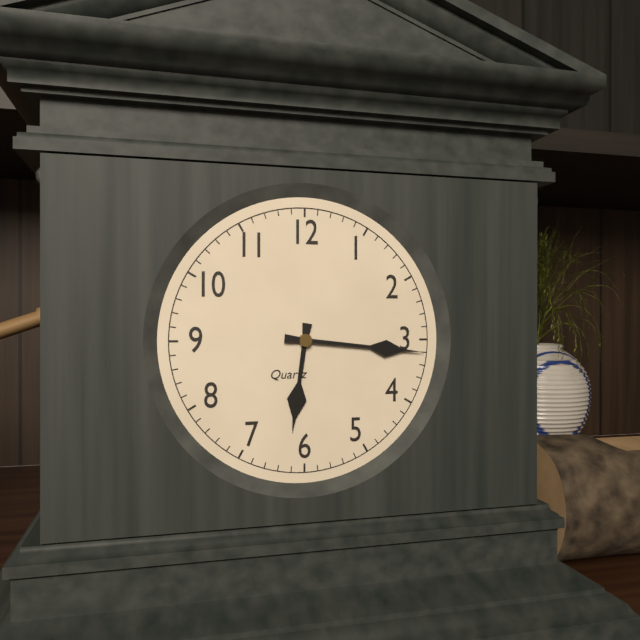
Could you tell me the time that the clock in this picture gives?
6:16
